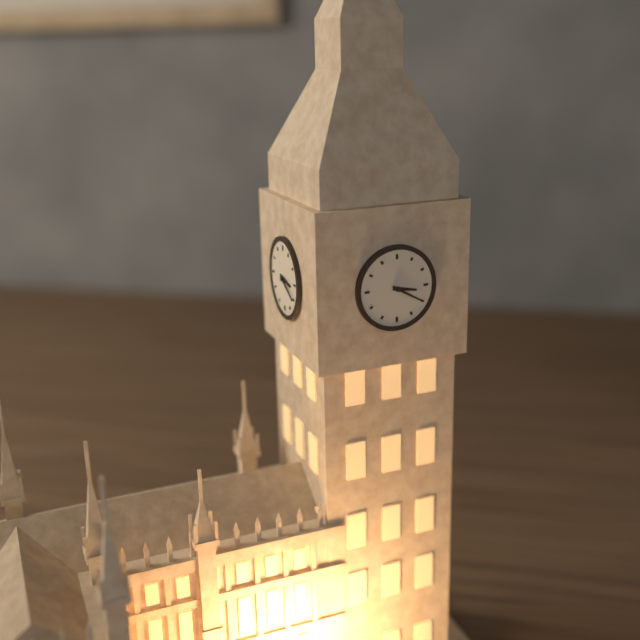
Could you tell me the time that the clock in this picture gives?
3:20
